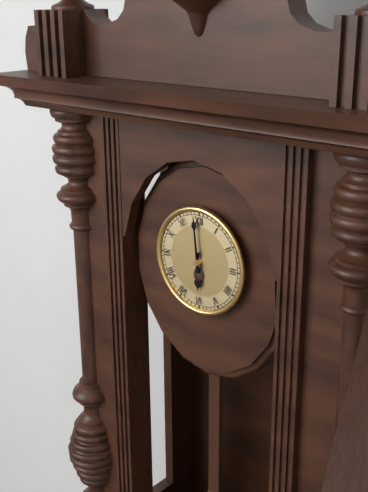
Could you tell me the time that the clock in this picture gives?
5:59
